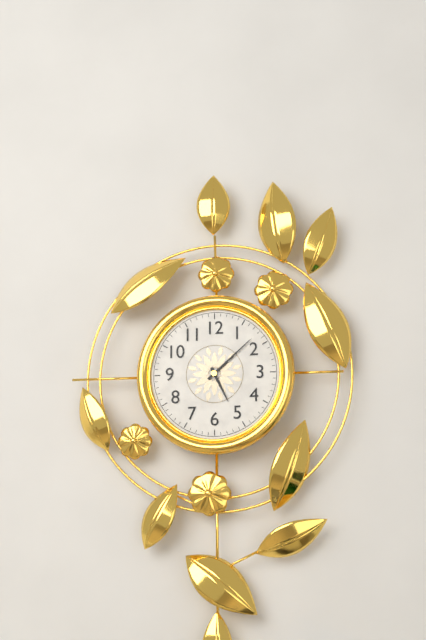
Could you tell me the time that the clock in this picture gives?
5:08
